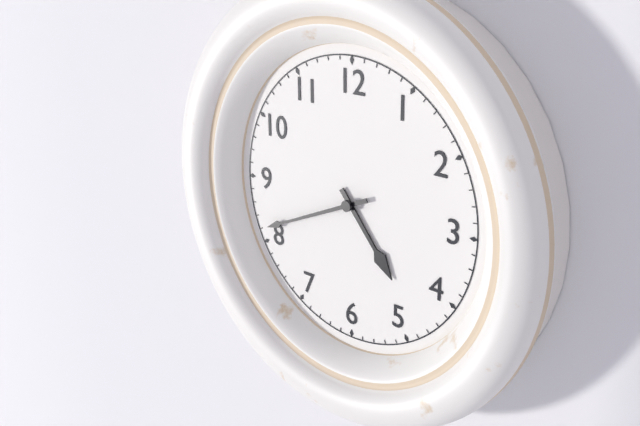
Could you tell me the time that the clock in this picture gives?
4:41
